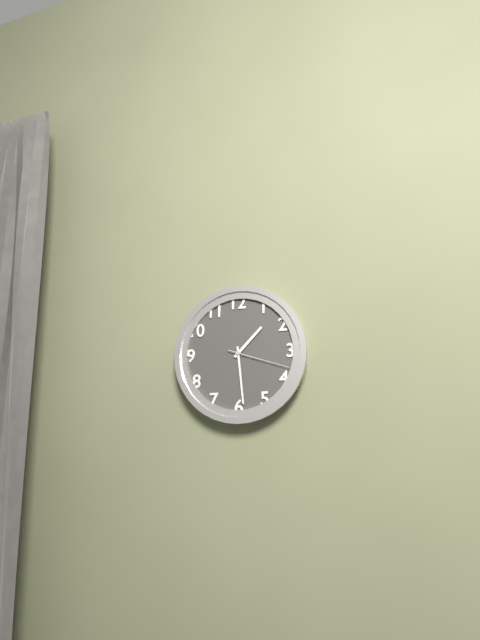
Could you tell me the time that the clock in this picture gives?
1:29:18
